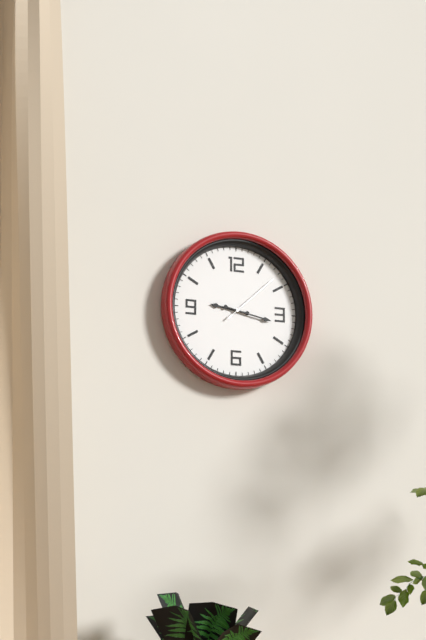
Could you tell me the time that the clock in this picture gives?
9:17:08
